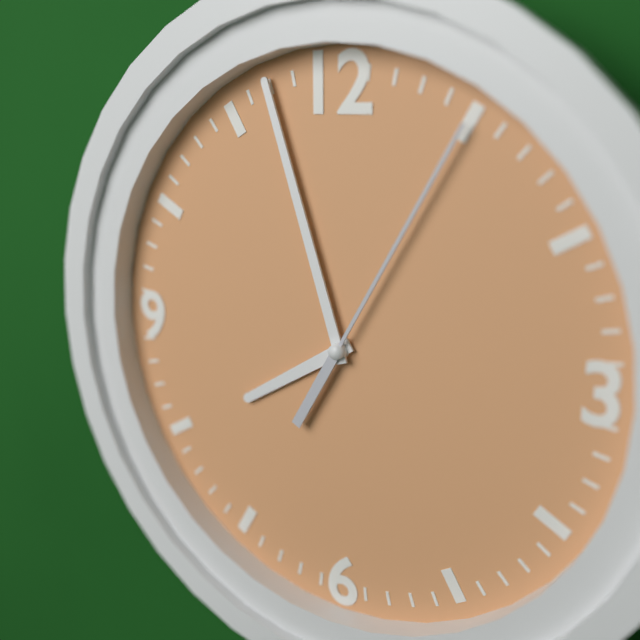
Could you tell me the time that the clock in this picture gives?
7:57:05
